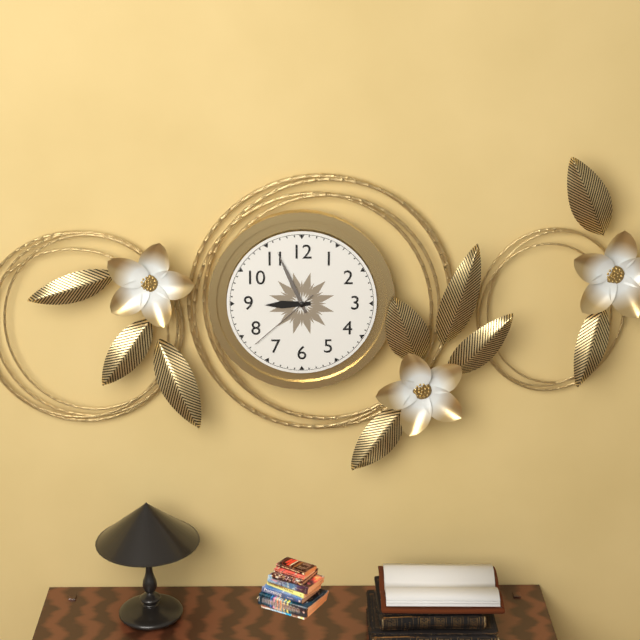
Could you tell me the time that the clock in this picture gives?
8:56:38
